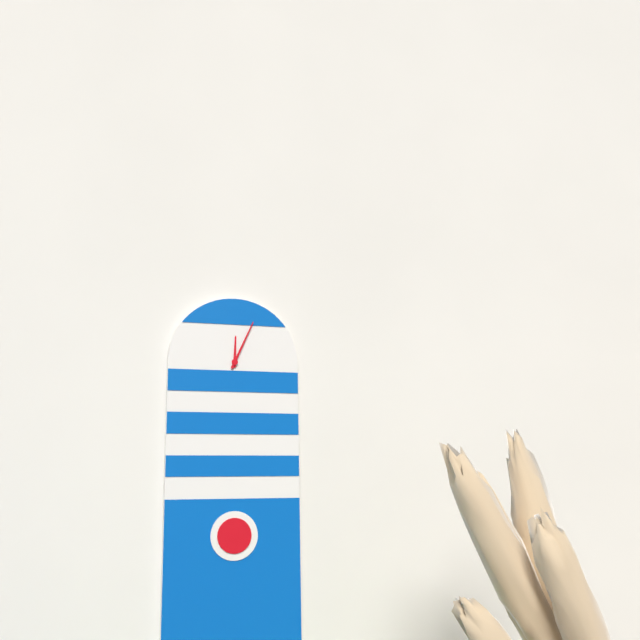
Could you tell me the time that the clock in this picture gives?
12:04
